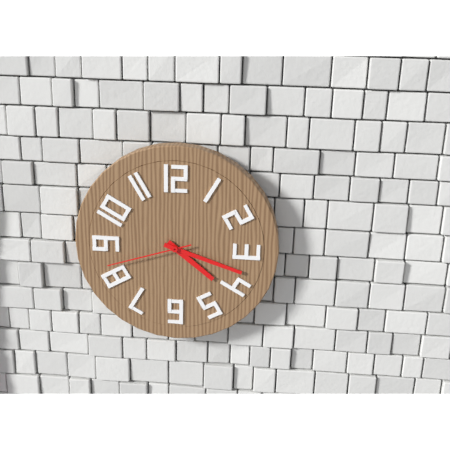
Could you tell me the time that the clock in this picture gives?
4:18:42
